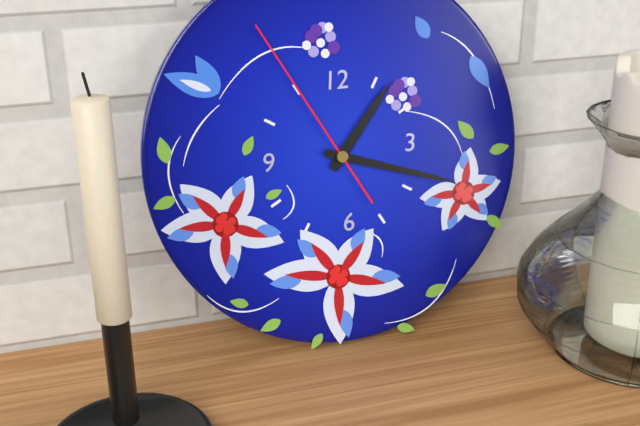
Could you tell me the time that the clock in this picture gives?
1:18:55
